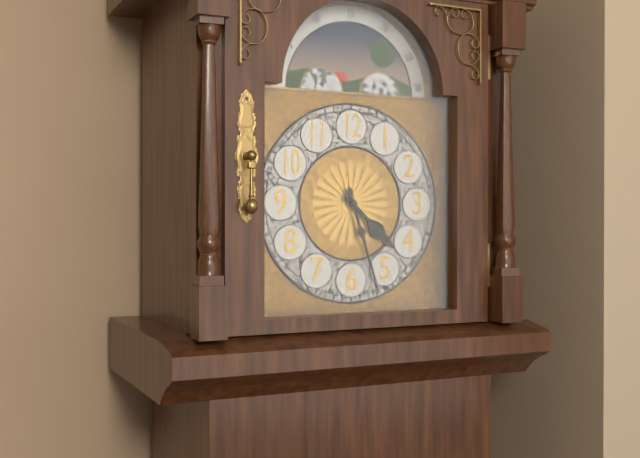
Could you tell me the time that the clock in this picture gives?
4:27
